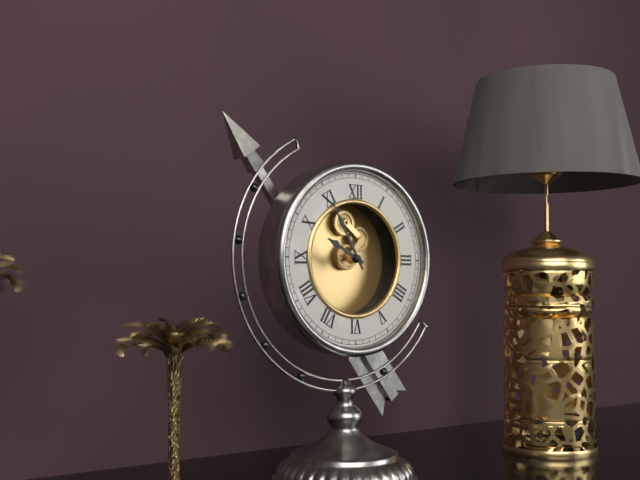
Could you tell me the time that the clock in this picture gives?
9:55
